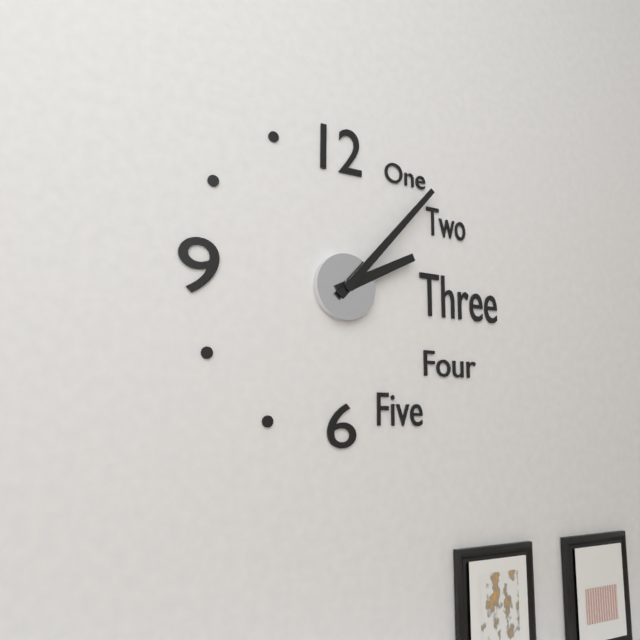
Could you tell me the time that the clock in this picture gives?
2:07
